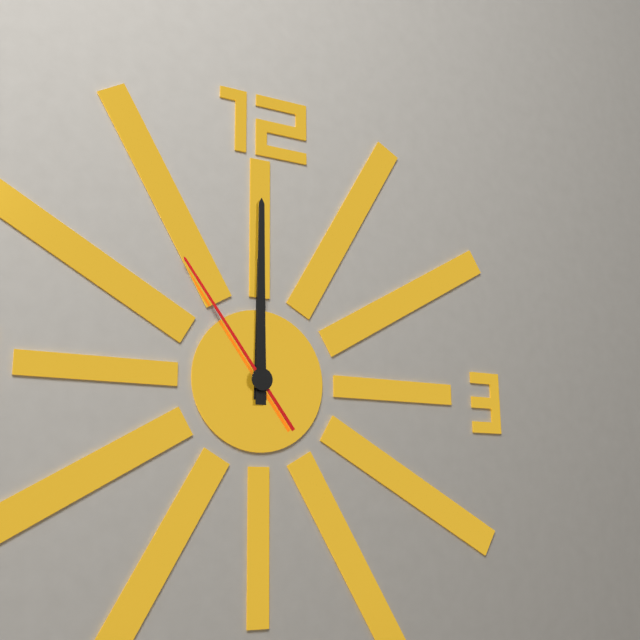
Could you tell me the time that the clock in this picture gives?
12:00:54
